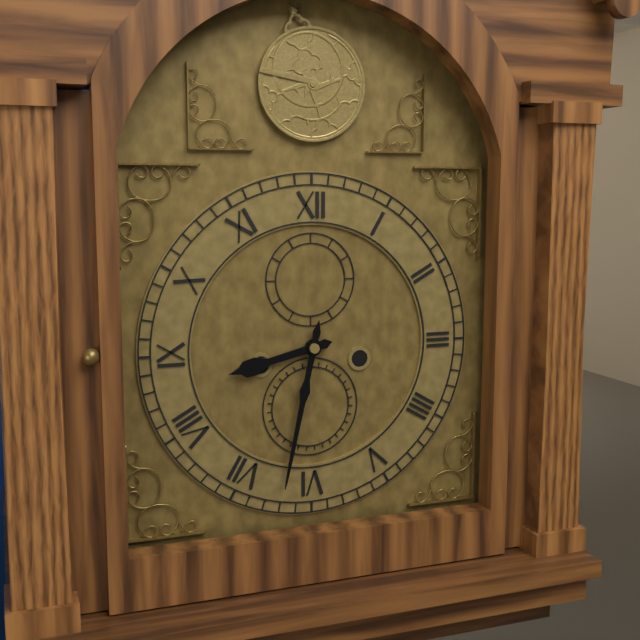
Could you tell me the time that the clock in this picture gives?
8:32
